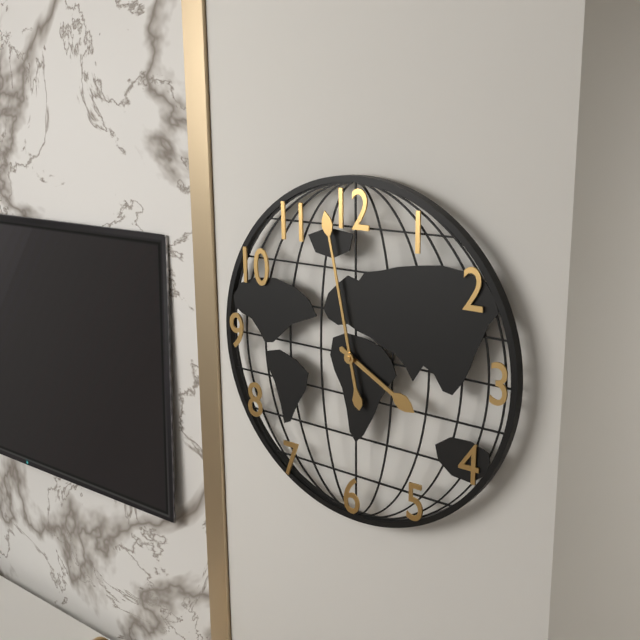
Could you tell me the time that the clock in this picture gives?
3:58
